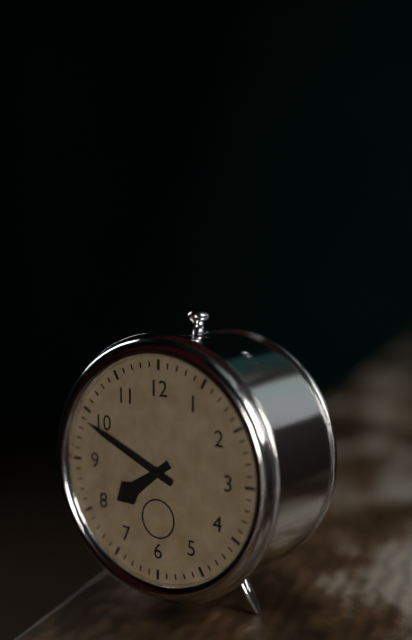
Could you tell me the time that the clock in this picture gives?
7:49
